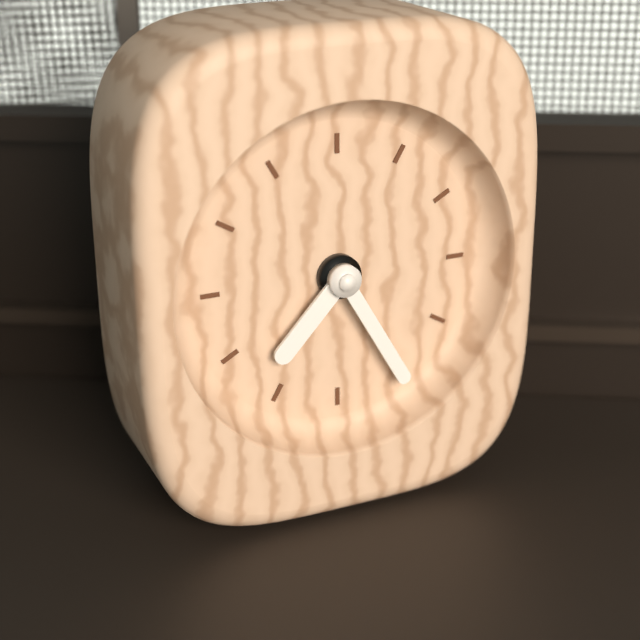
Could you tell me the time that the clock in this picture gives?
7:25
